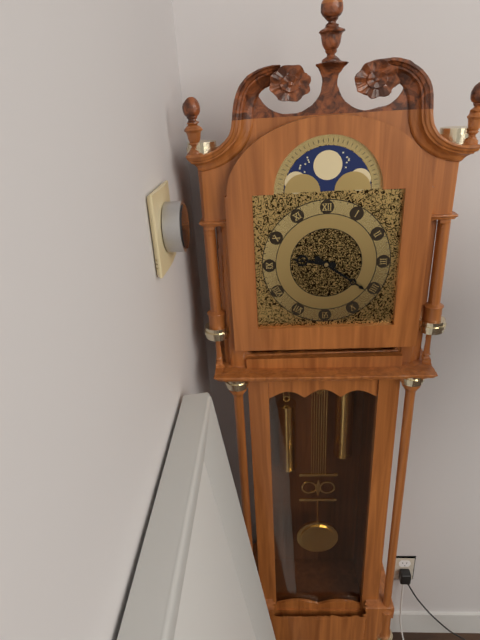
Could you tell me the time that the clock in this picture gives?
9:21
